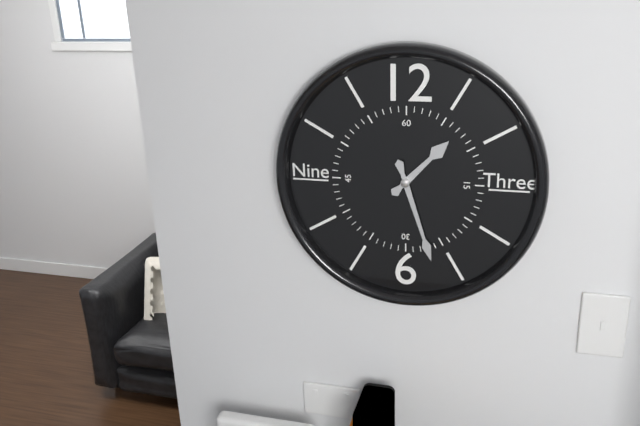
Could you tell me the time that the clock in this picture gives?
1:27
